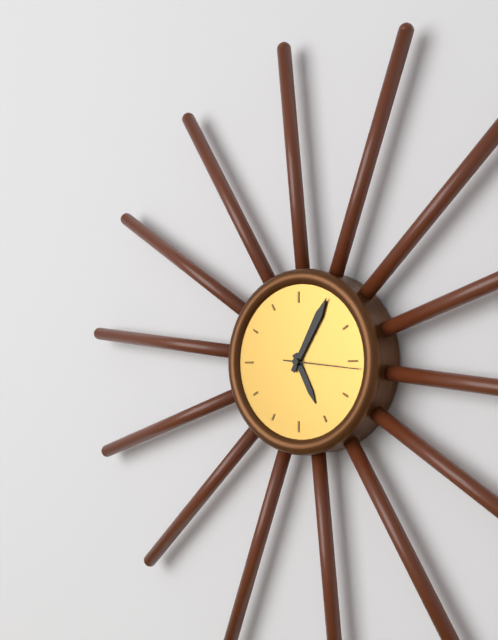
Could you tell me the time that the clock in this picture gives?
5:05:16
